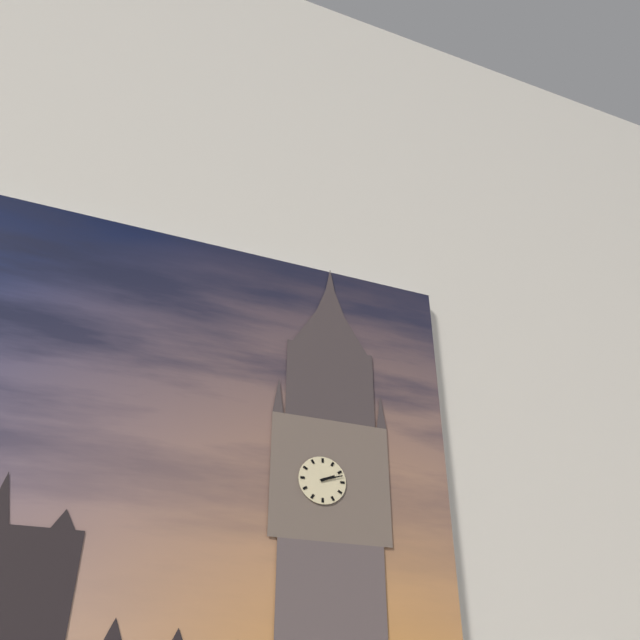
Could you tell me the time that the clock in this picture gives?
2:12
